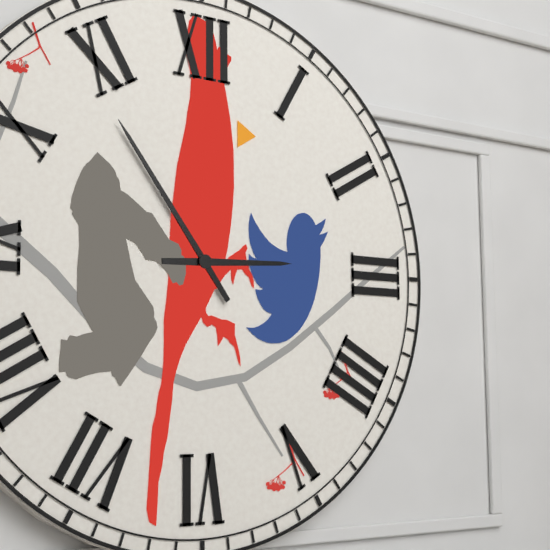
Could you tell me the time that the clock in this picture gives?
2:54
